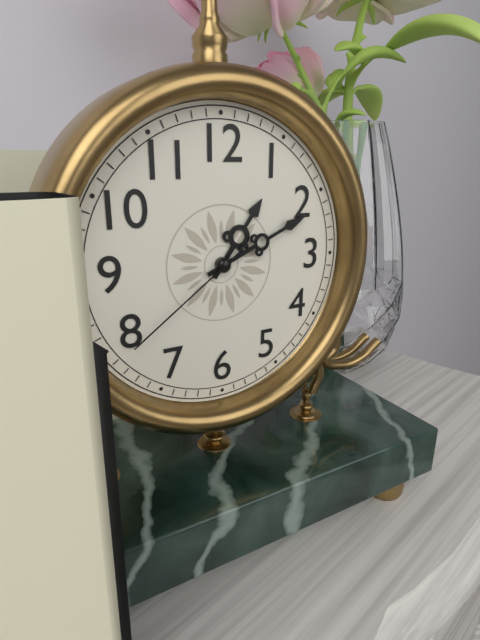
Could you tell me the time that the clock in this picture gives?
1:11:39
